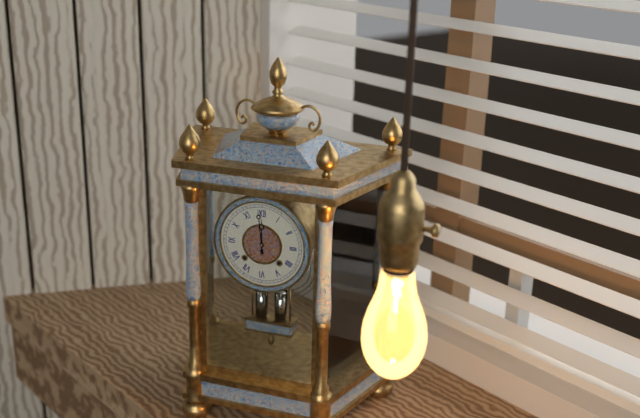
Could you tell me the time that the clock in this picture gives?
11:59
